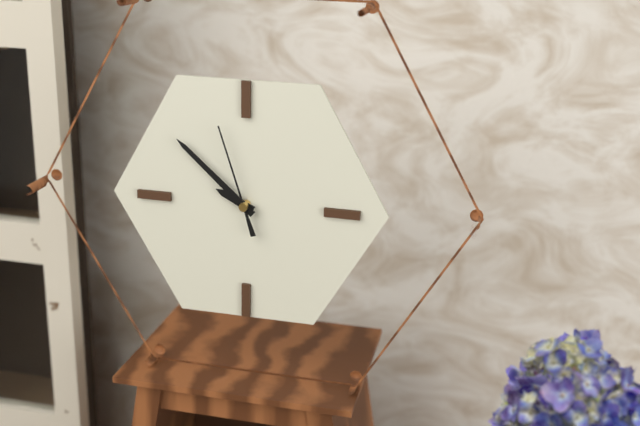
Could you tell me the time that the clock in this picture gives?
9:52:57
